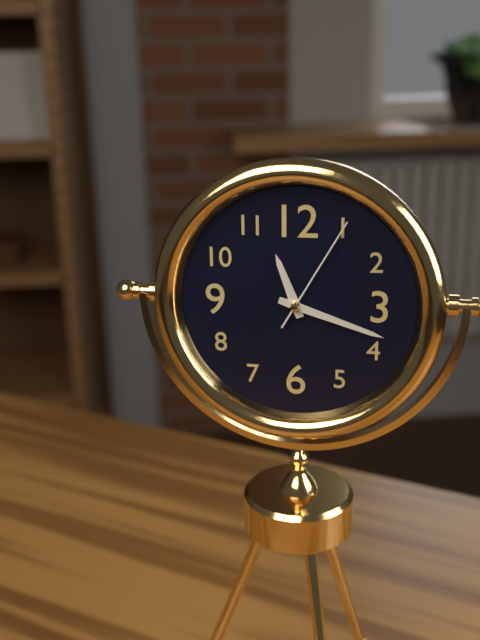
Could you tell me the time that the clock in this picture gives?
11:18:05
